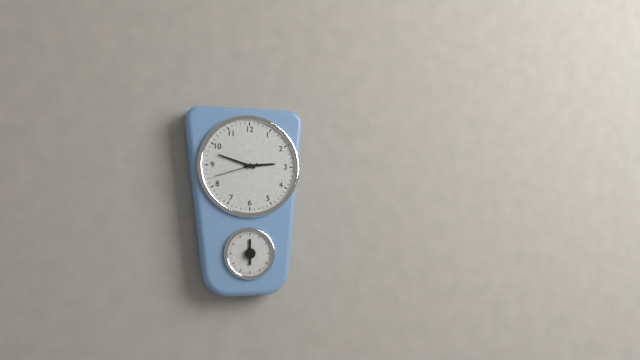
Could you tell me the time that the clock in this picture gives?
2:48
